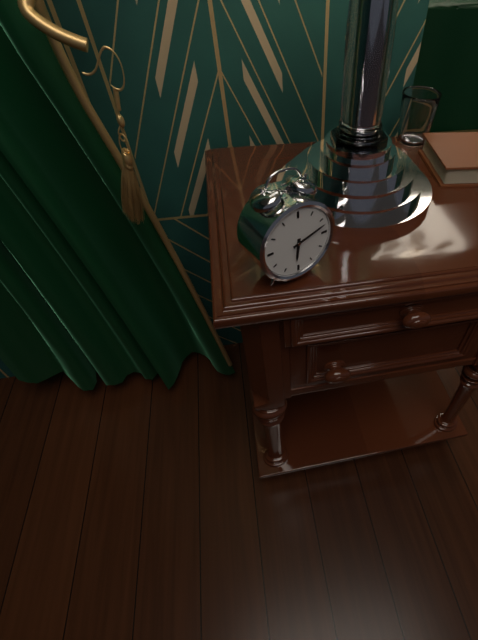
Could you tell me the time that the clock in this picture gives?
6:12
